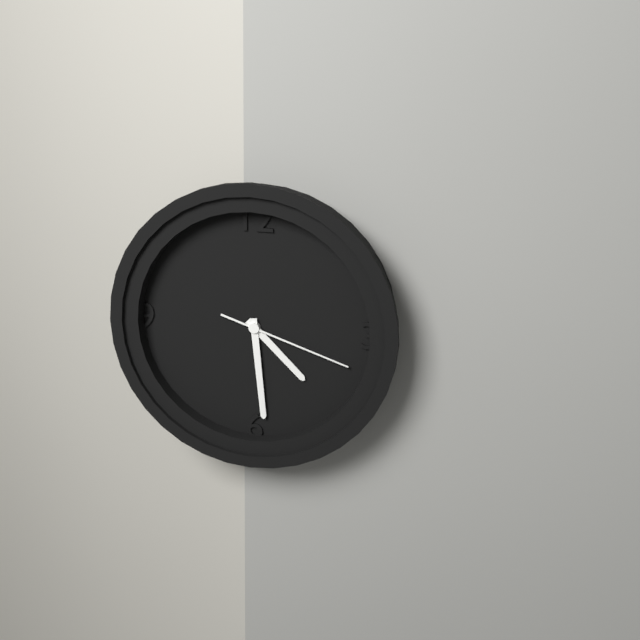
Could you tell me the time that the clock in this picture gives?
4:29:18
